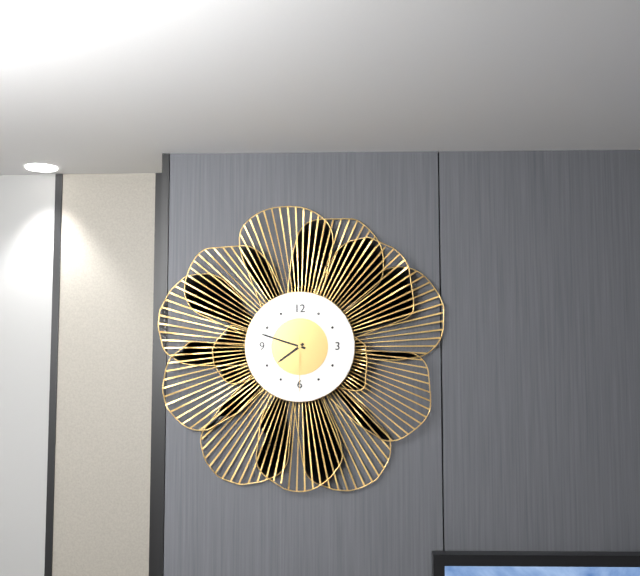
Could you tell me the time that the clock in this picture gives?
7:48:30
